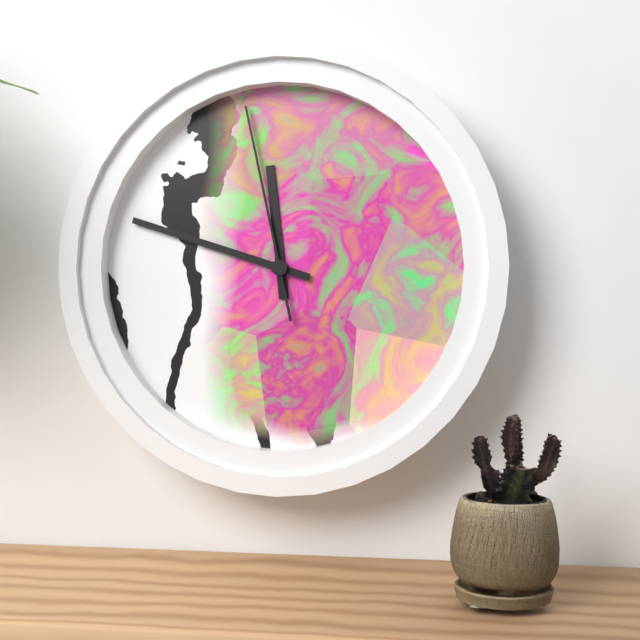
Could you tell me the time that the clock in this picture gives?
11:48:58
